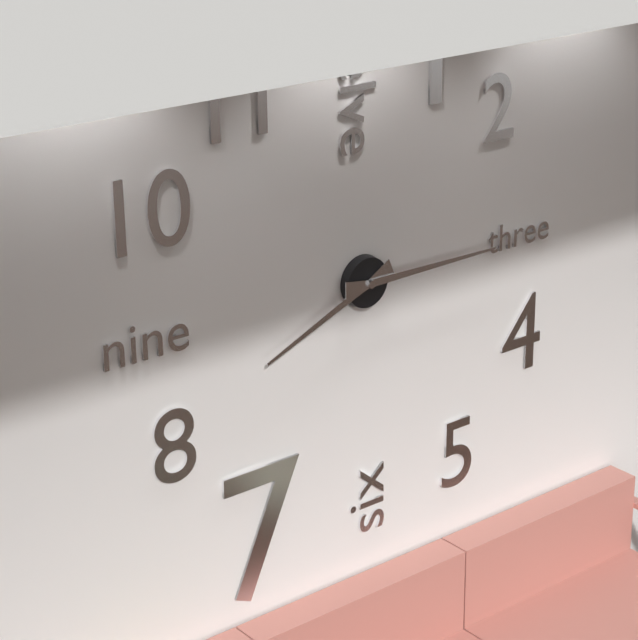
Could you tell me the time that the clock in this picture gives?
8:15
